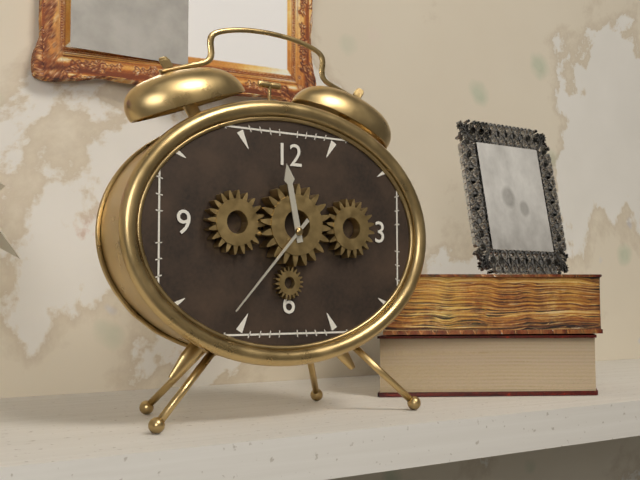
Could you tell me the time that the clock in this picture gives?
11:37
